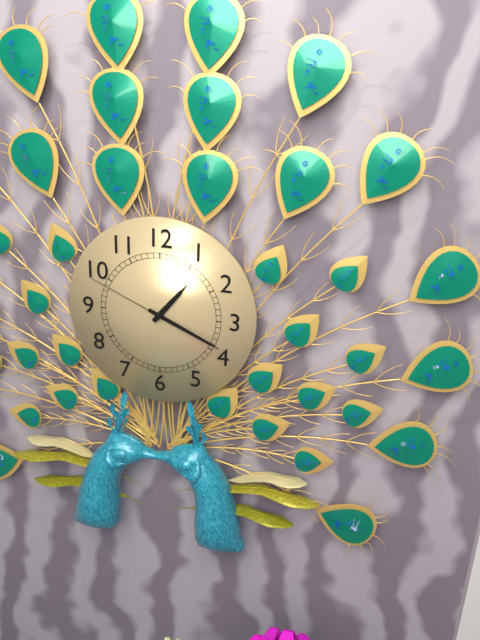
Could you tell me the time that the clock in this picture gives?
1:19:49
